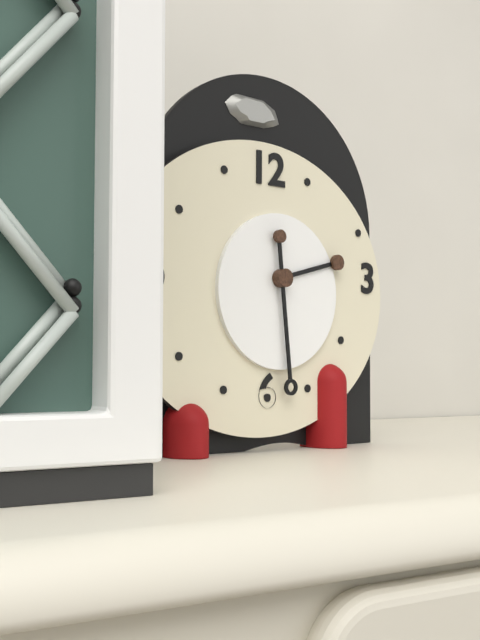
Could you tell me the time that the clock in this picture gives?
2:29
